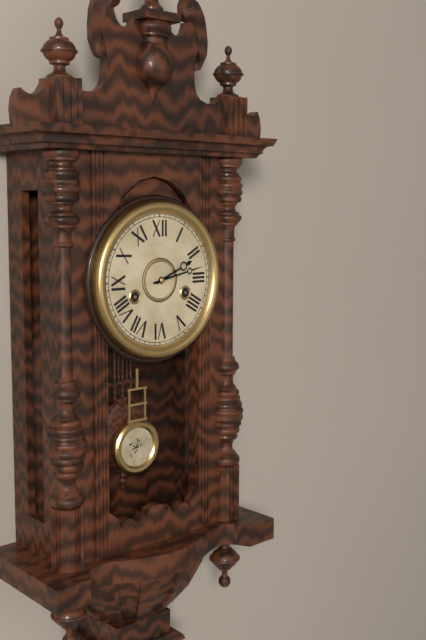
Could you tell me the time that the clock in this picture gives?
2:13
